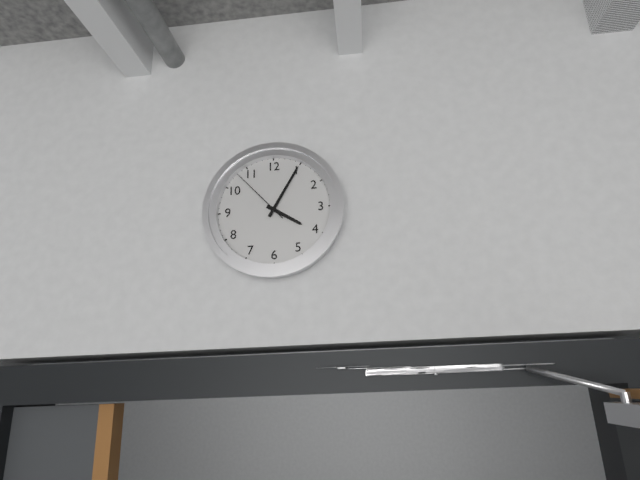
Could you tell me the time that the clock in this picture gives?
4:05:53
